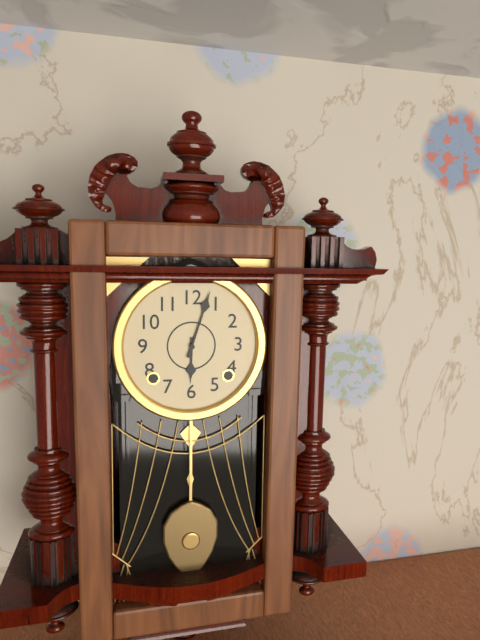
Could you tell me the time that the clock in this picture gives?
6:03
